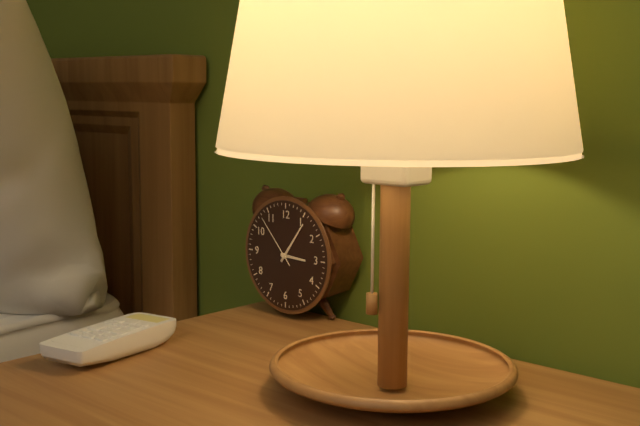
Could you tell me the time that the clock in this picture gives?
3:06:53
